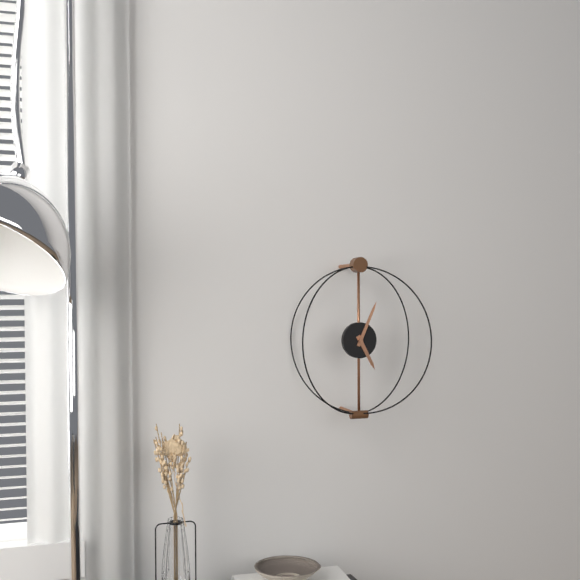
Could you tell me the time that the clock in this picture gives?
5:04
